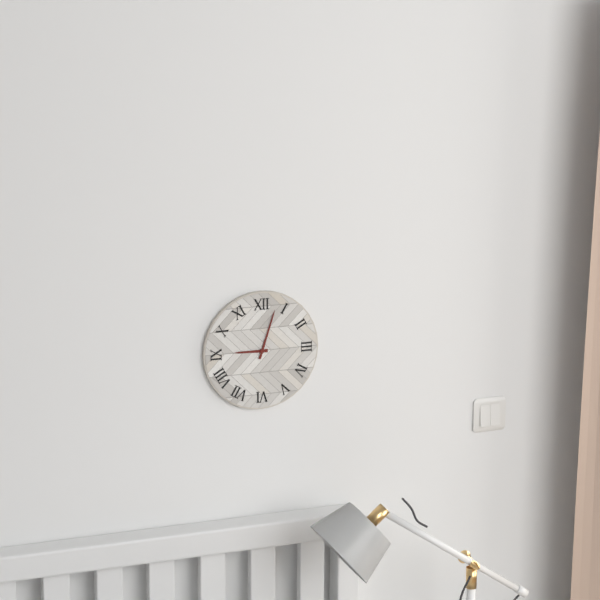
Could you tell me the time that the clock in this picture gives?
9:03
